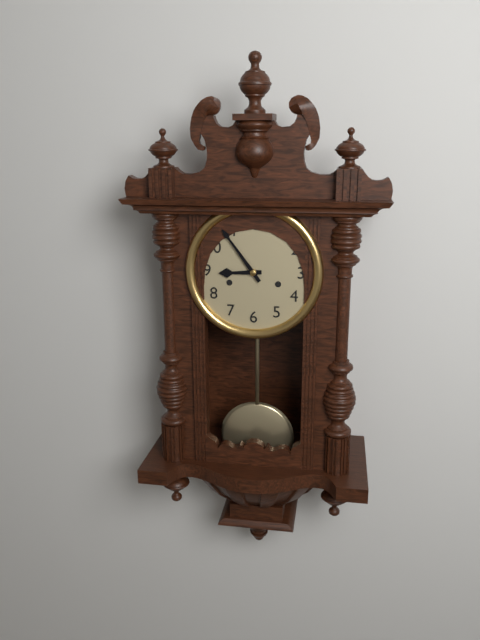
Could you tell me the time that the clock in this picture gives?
8:54
